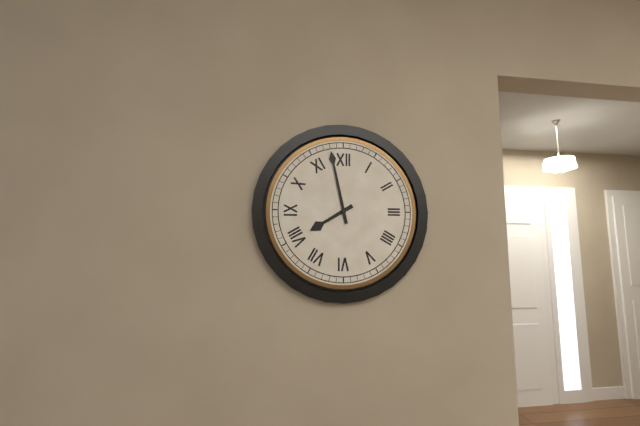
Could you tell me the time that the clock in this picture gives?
7:58
